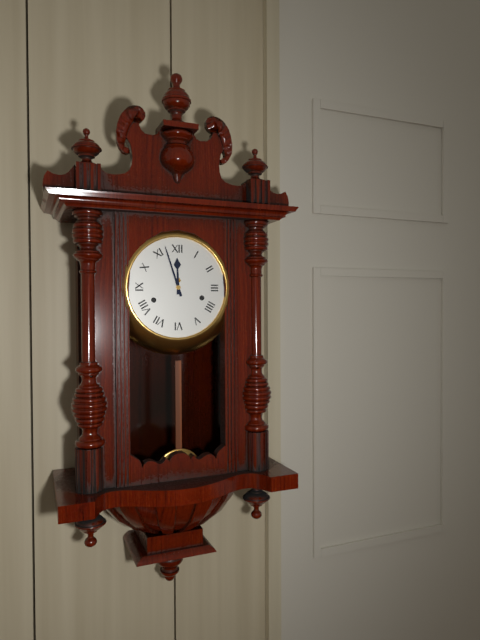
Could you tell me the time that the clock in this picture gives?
11:57
